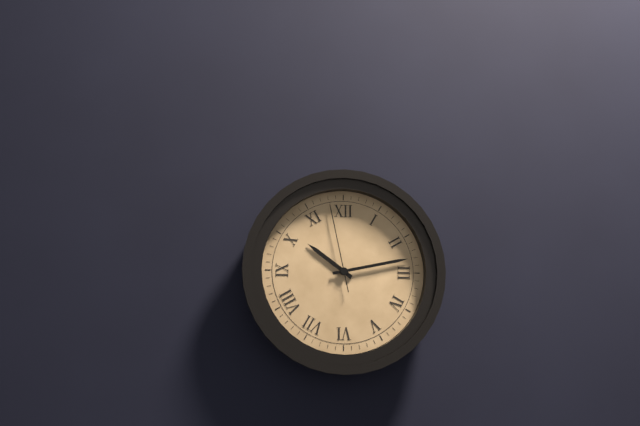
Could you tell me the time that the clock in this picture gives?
10:13:58
